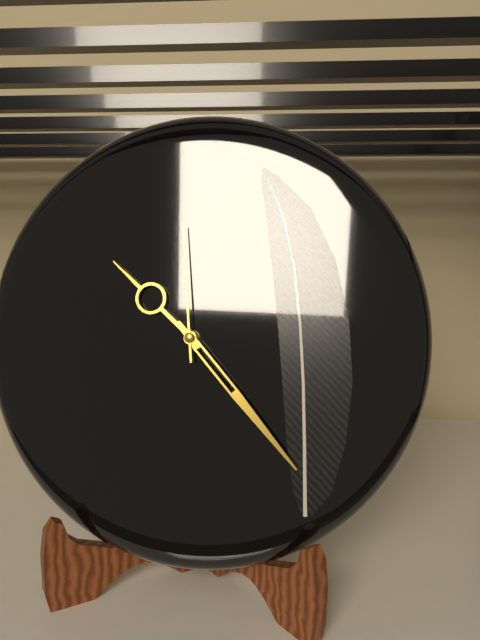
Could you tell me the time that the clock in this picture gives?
10:23:59
